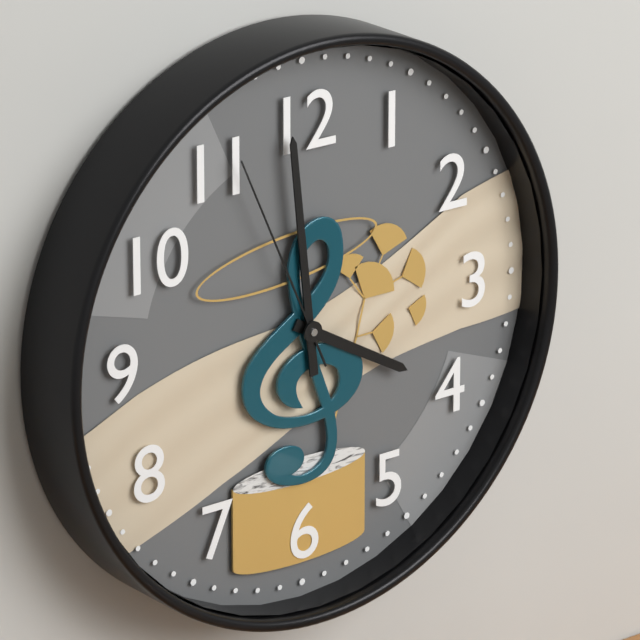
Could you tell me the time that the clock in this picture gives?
3:59:56
